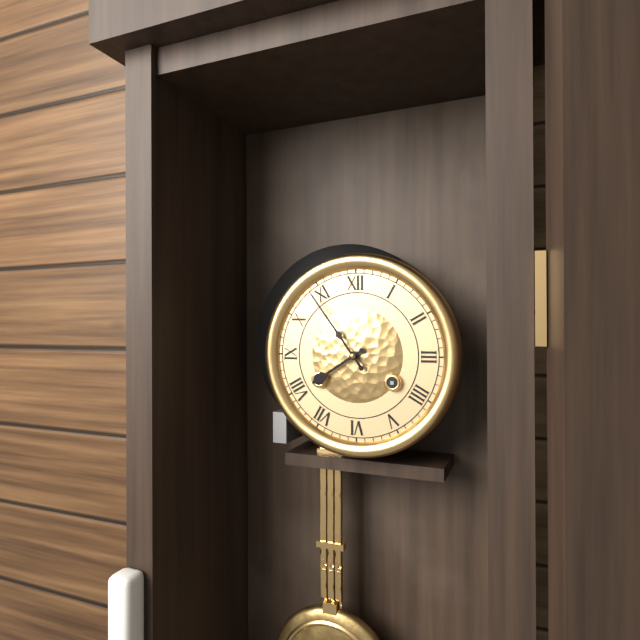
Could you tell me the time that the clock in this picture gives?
7:54
